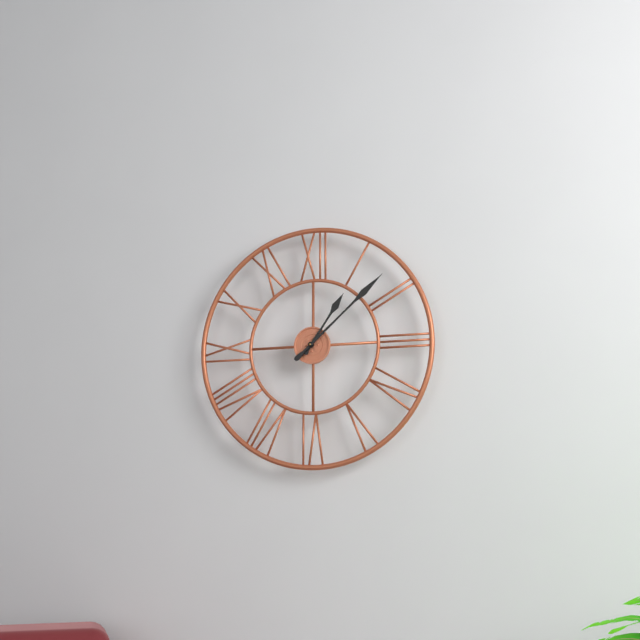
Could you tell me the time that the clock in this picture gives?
1:08
